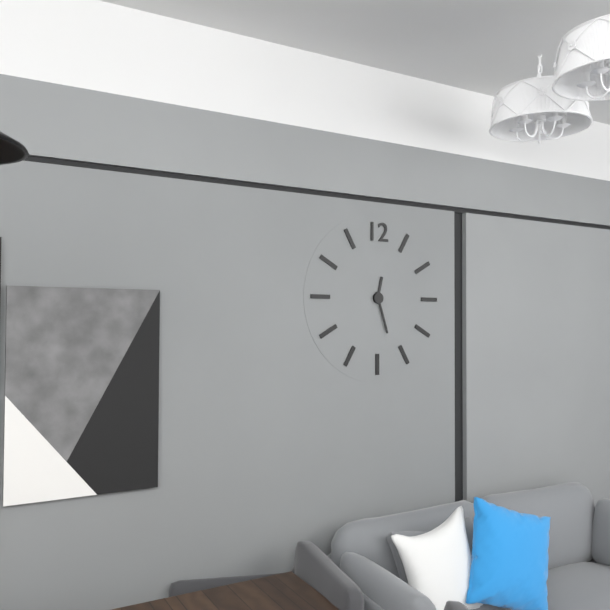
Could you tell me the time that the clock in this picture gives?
12:27
